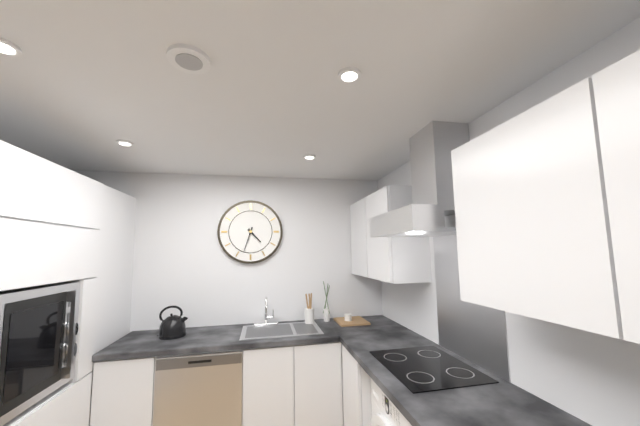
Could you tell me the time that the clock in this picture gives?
4:33
